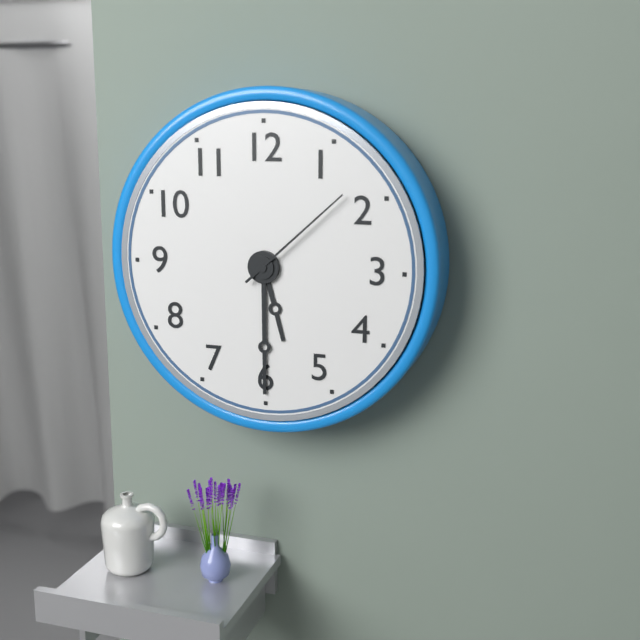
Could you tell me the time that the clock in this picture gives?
5:30:08
